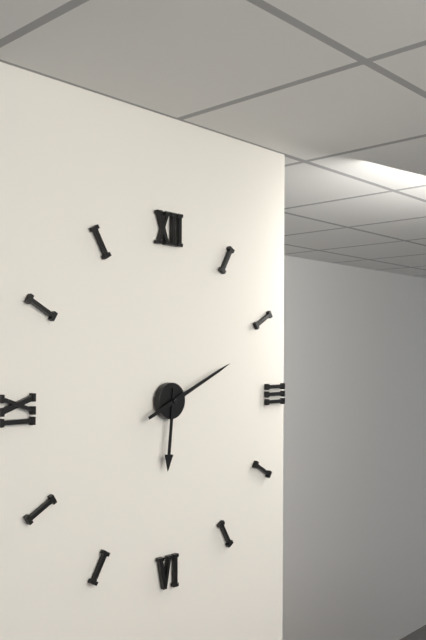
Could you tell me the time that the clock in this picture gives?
6:11
